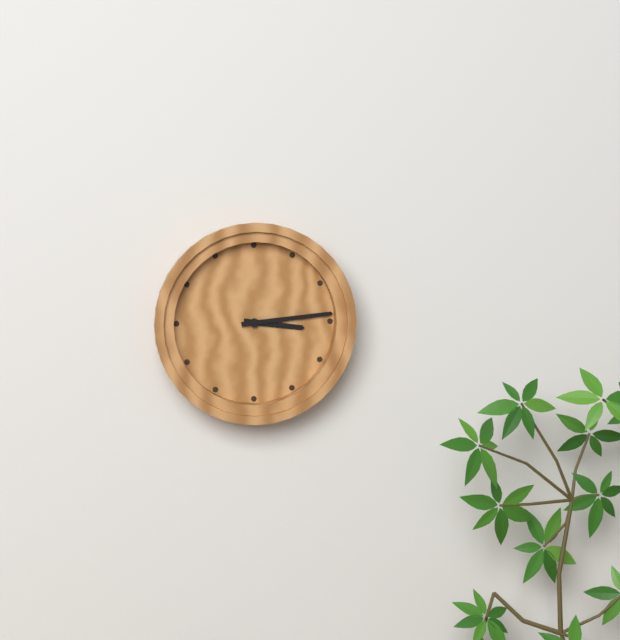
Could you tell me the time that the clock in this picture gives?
3:14
